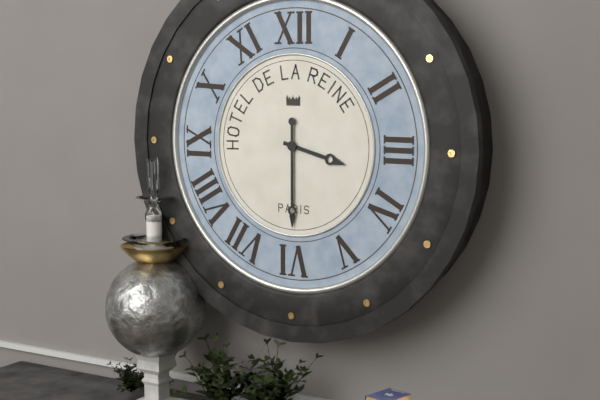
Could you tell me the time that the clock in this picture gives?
3:30
